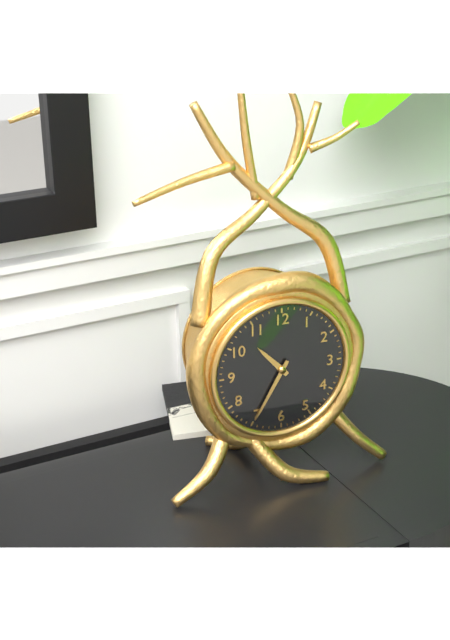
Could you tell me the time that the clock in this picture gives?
10:35
